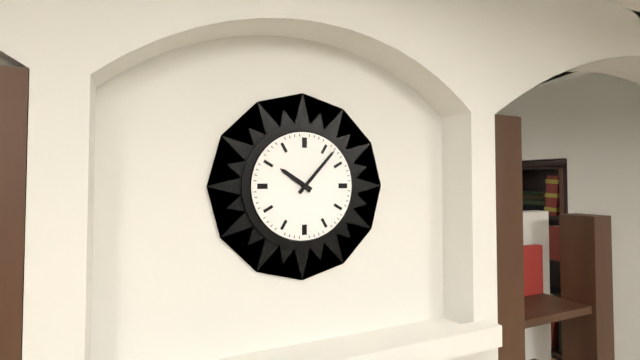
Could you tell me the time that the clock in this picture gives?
10:07
